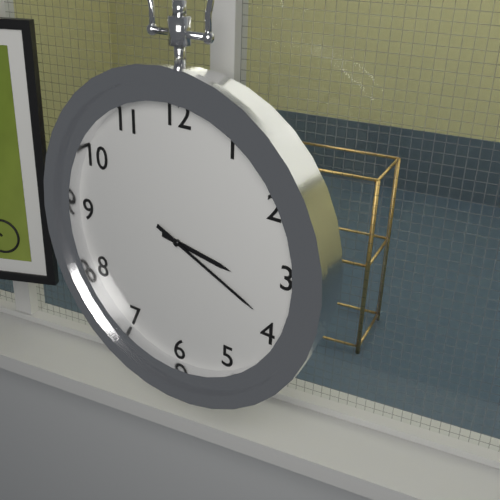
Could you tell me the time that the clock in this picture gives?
3:19
